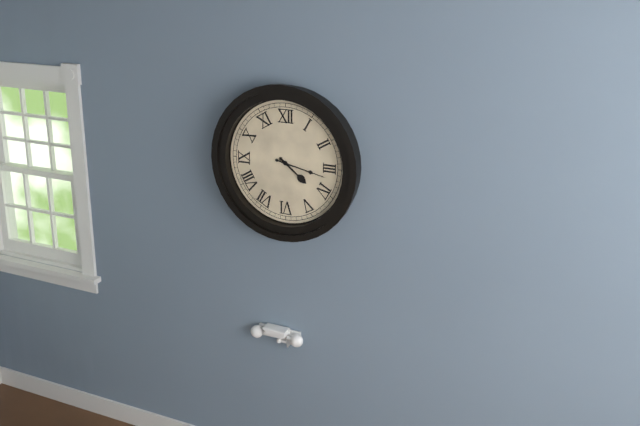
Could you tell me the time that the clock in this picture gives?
4:17
